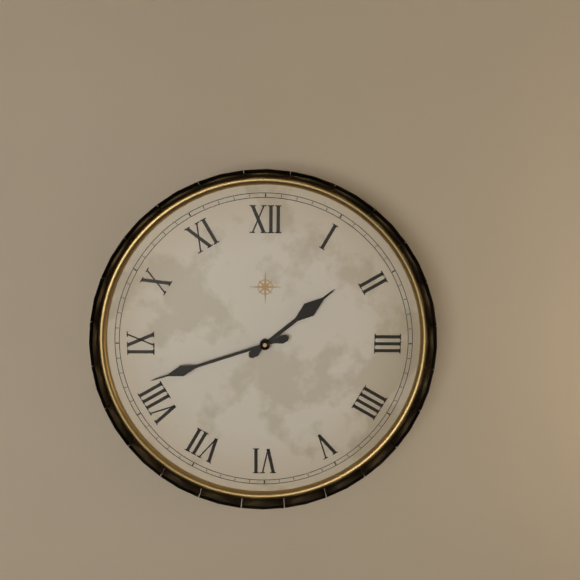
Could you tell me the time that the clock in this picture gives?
1:42
